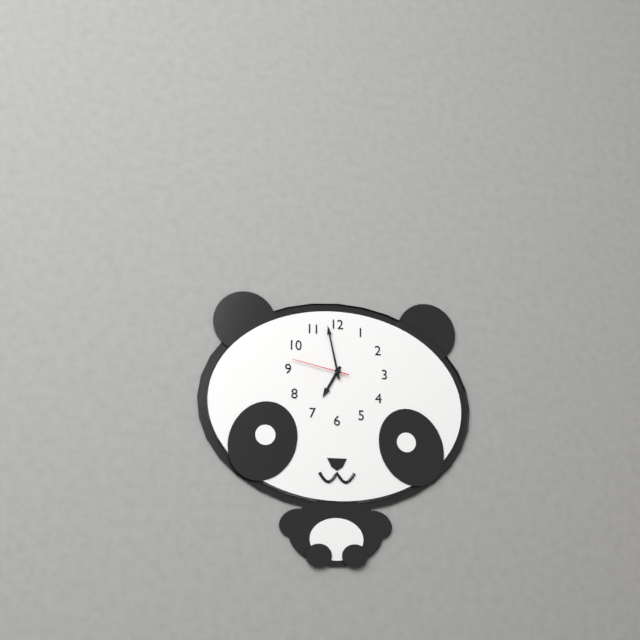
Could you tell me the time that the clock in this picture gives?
6:58:47
